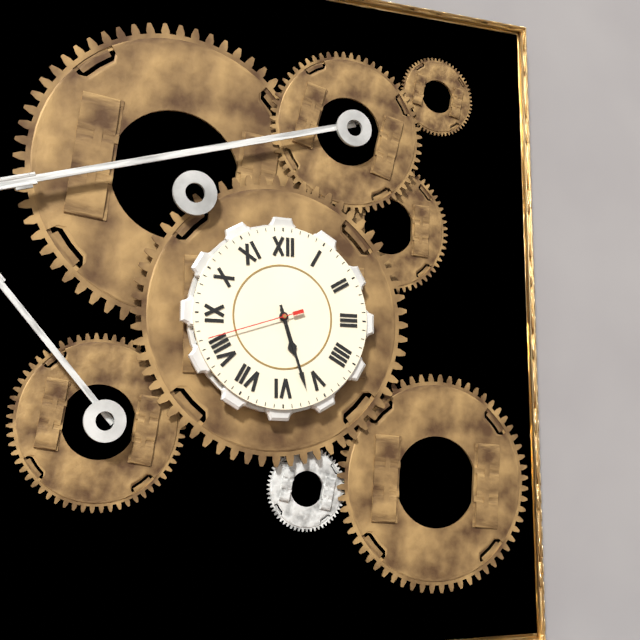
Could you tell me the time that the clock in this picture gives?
5:27:42
